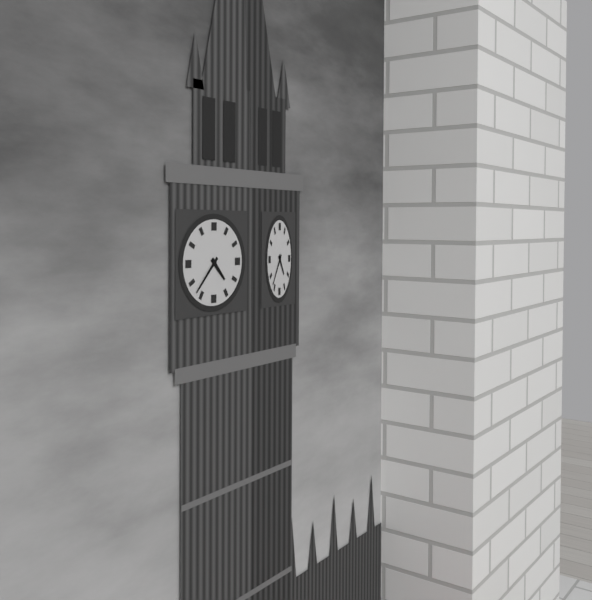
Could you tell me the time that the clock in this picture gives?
4:37
